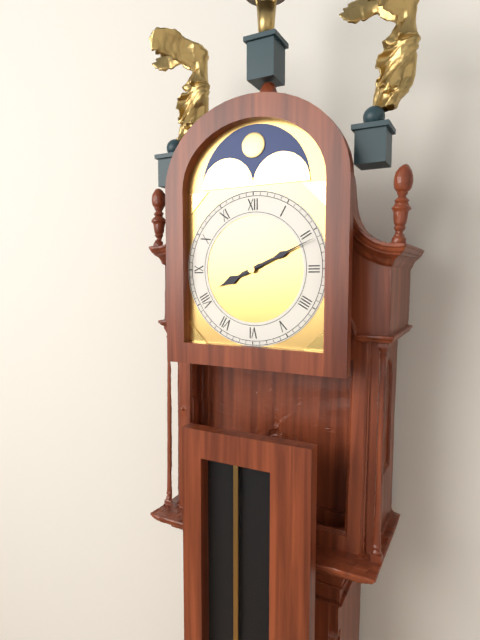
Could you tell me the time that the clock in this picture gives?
8:11
